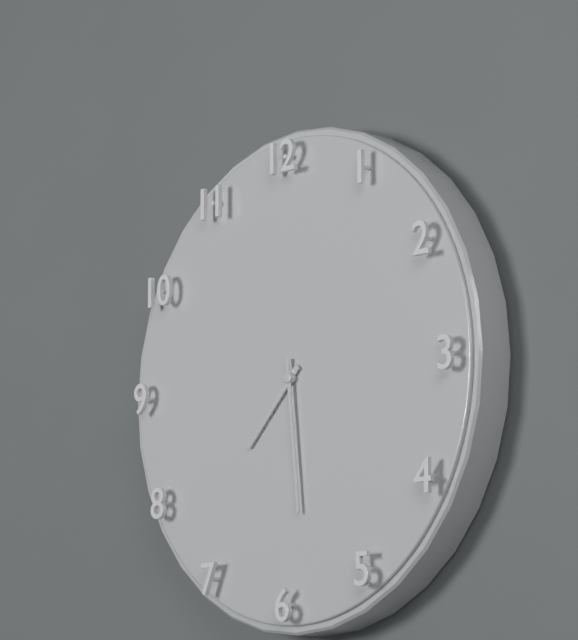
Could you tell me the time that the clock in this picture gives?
7:29
